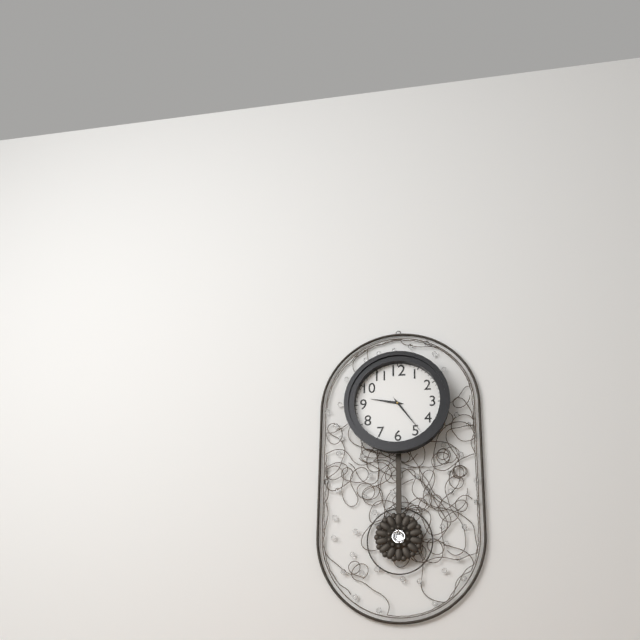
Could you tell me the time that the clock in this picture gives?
9:24
